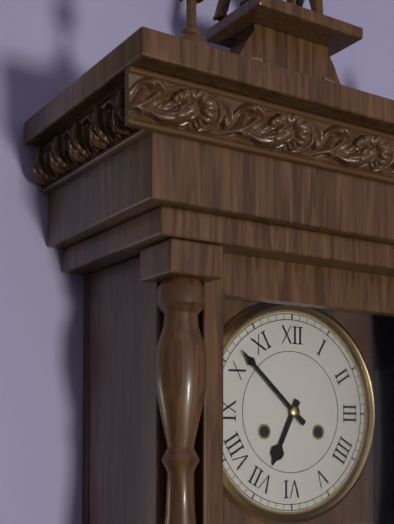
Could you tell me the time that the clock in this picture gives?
6:52
